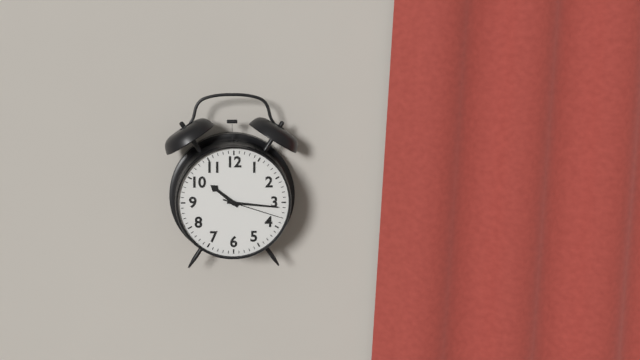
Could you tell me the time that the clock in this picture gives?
10:16:18
